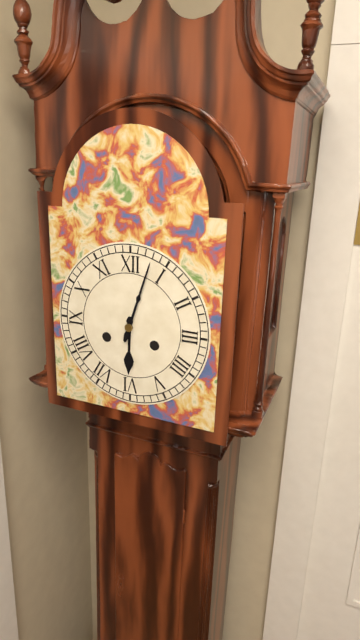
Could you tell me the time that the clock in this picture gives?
6:03
